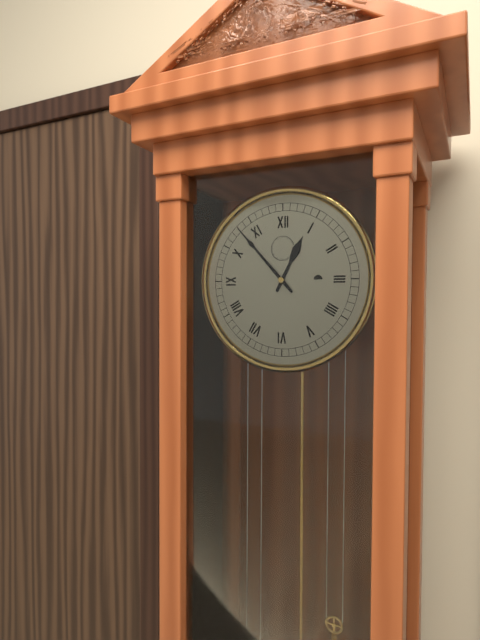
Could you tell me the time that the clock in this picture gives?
12:53
